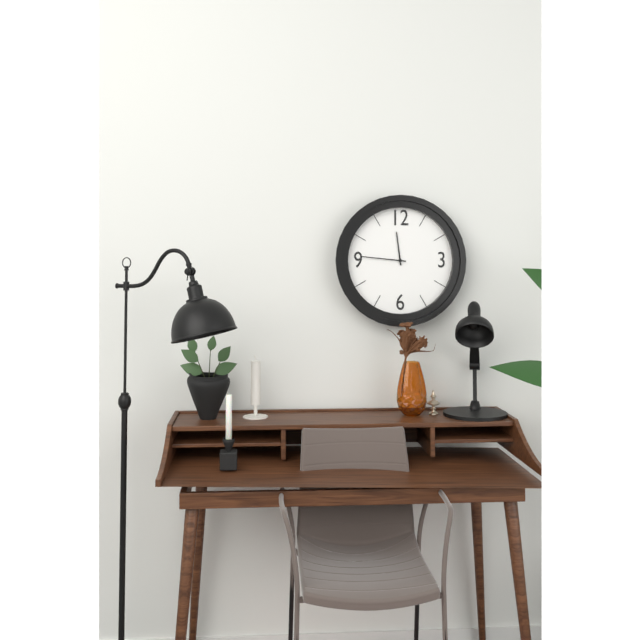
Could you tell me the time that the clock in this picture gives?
11:46
